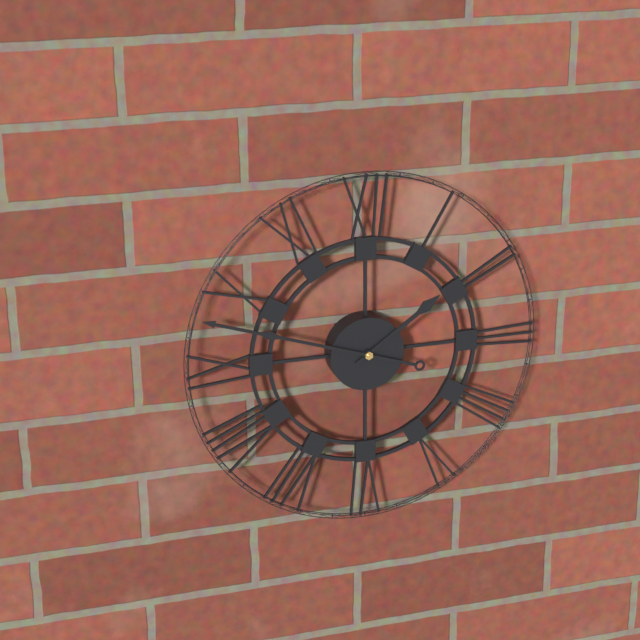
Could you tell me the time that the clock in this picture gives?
1:48
